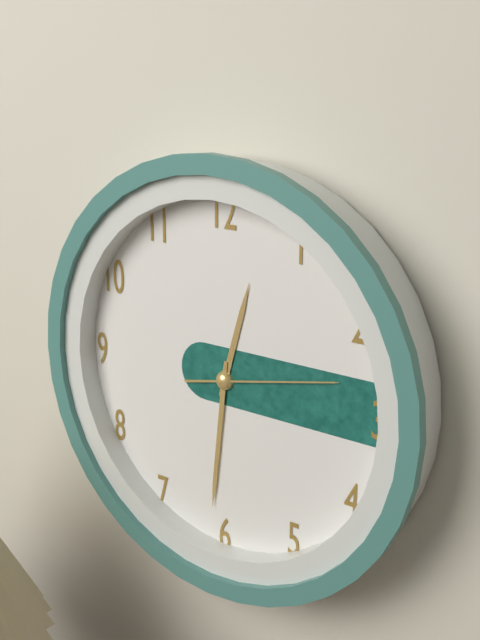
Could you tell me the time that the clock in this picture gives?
12:31:13
